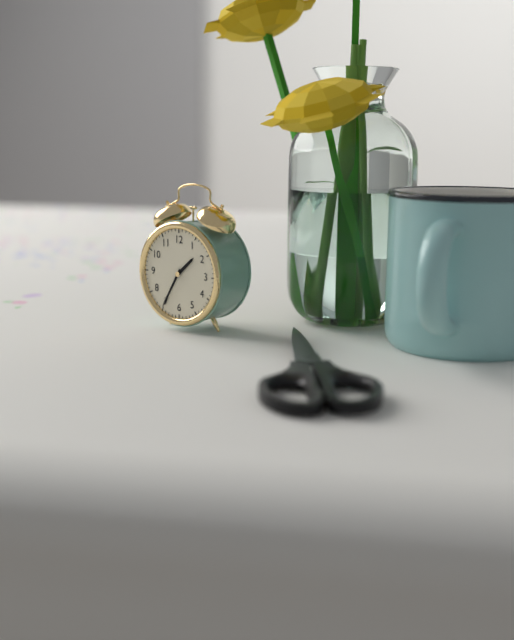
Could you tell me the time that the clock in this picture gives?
1:35
